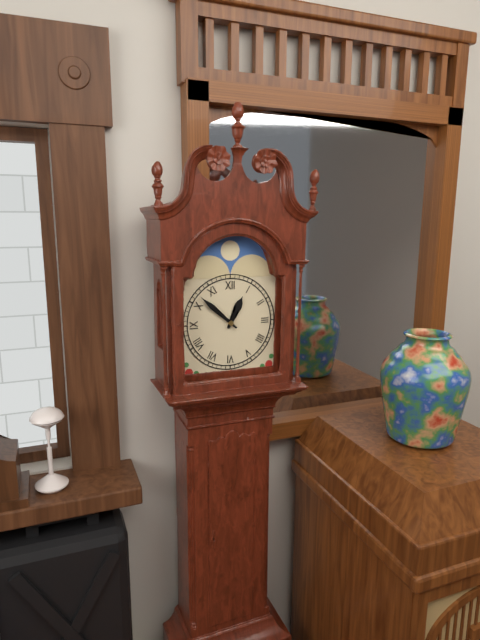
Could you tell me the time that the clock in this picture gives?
12:52
